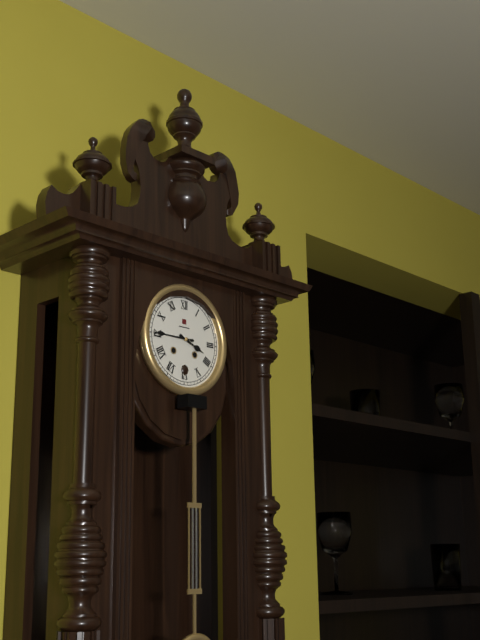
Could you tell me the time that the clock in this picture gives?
3:45
